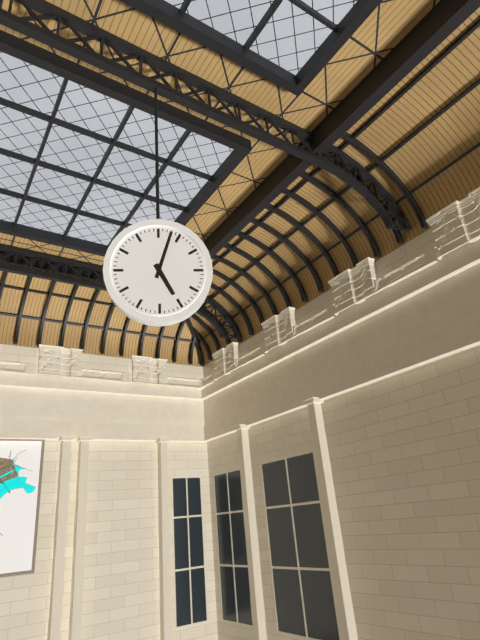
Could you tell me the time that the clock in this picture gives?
5:03
